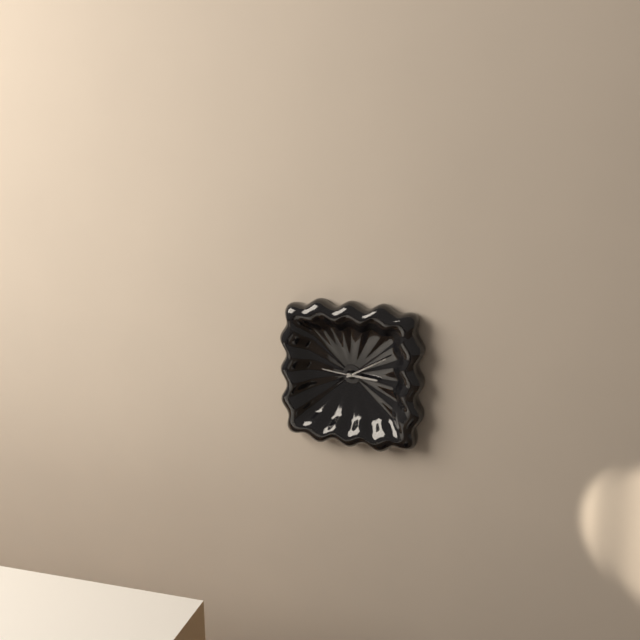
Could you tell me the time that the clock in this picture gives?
3:10
